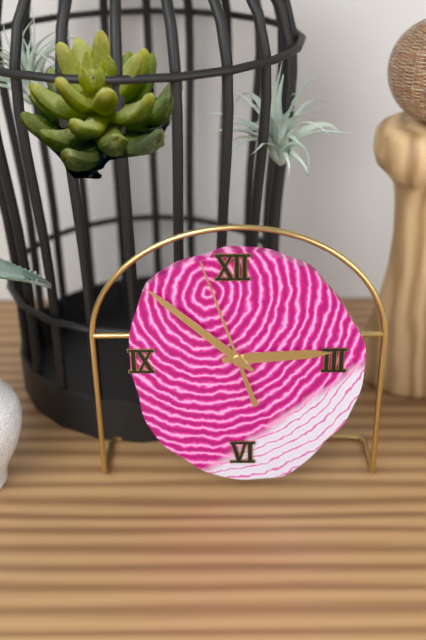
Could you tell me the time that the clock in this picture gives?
2:52:57
